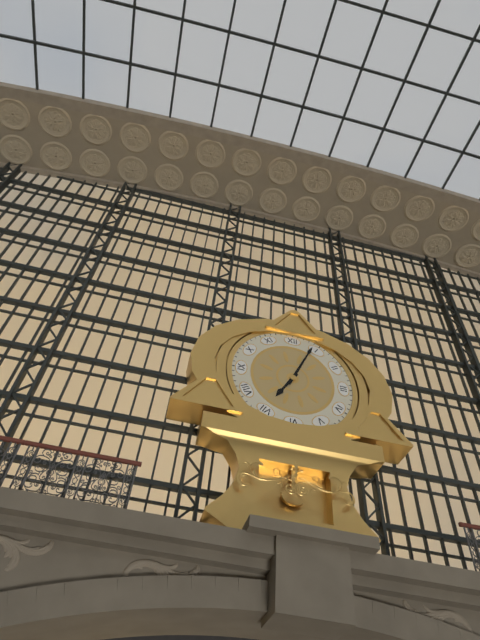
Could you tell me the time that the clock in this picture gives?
7:04
